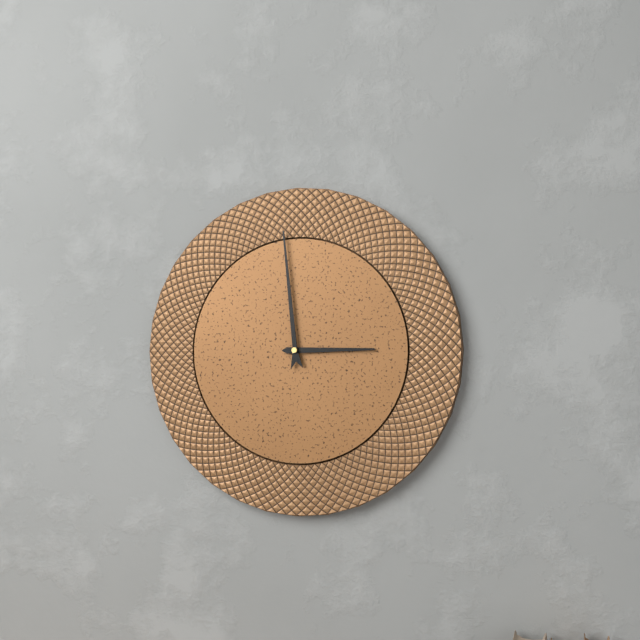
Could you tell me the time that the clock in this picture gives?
2:59
